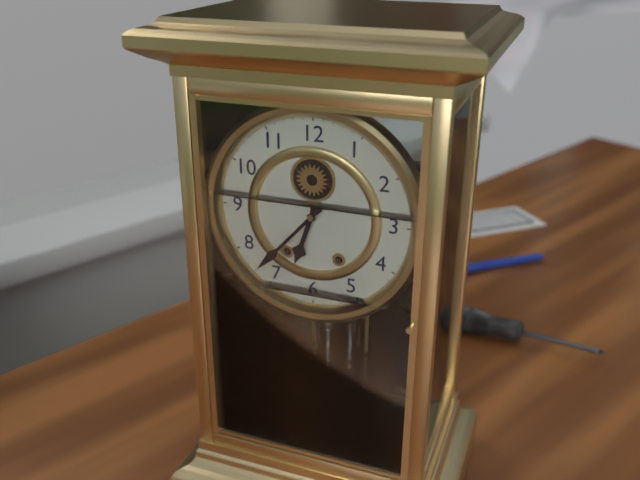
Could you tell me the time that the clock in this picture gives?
6:37
